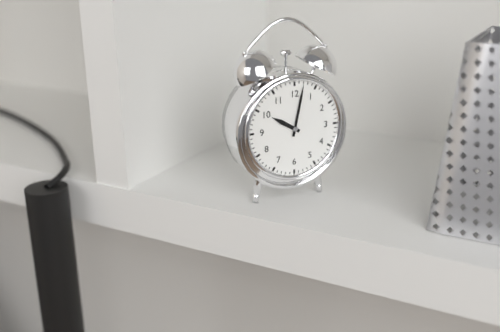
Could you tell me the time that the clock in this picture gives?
10:02
